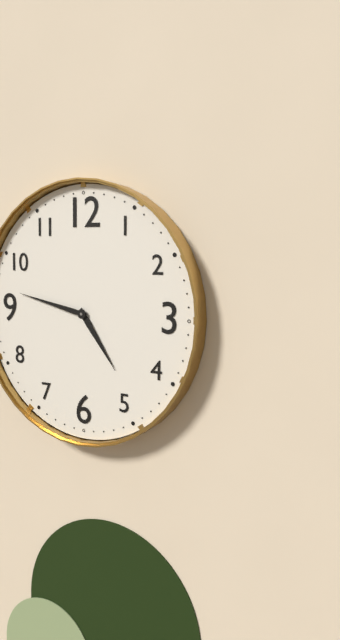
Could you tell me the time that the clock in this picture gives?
4:47
